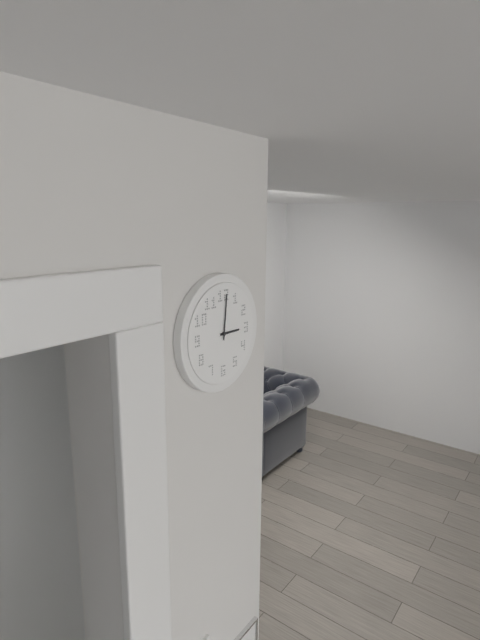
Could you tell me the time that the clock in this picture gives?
3:01
